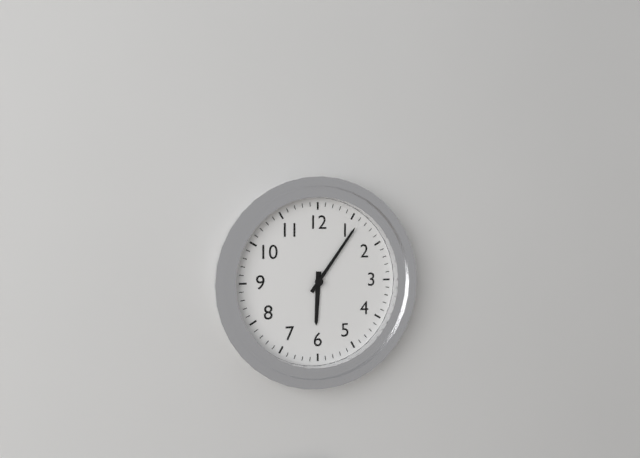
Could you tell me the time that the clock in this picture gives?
6:06
